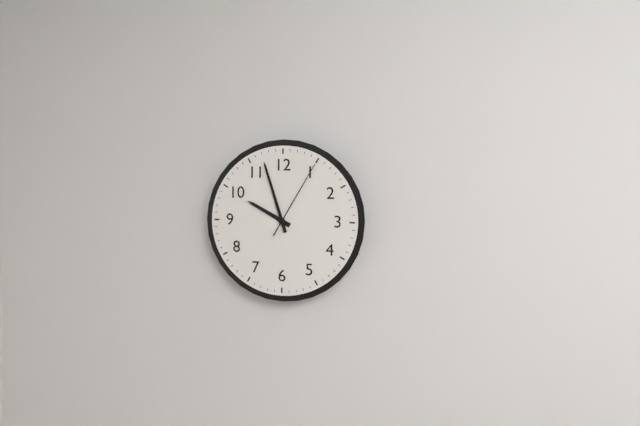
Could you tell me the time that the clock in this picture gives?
9:57:05
